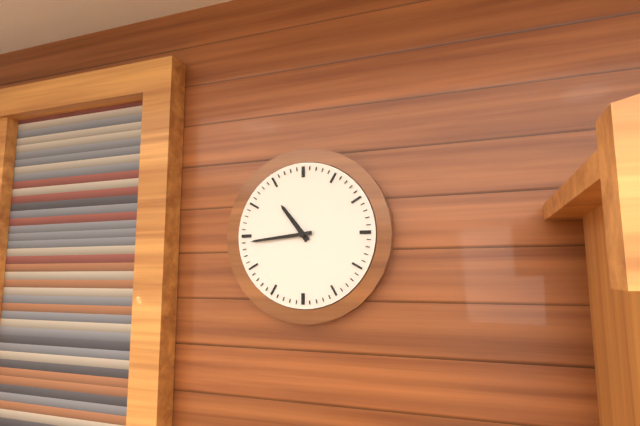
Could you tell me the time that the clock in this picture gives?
10:44
